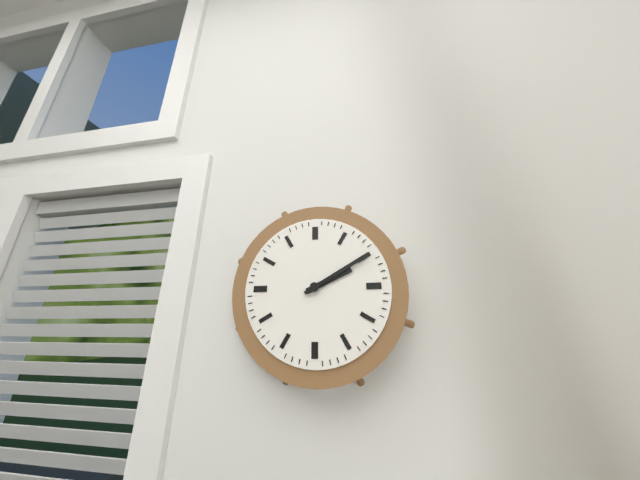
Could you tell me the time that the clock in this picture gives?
2:10
